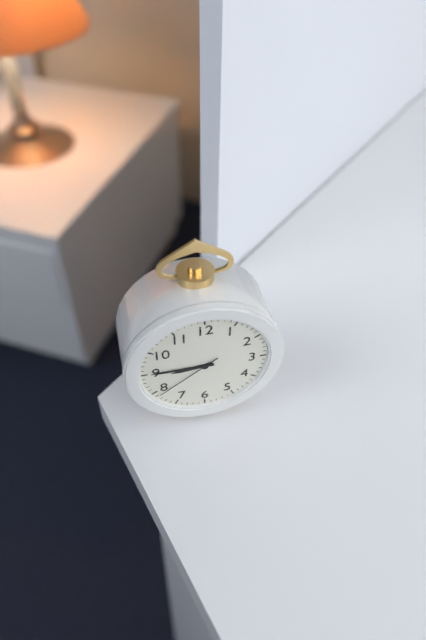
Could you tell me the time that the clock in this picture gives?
8:45:39
